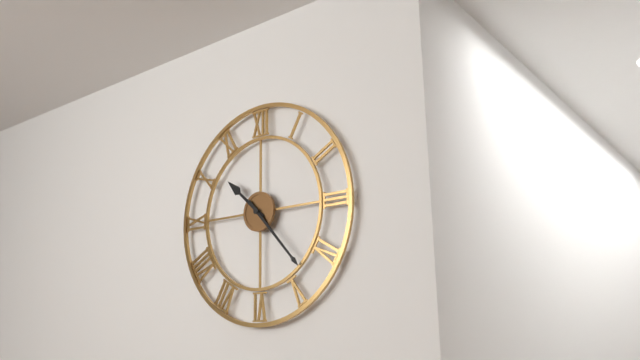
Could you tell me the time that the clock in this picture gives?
10:23
